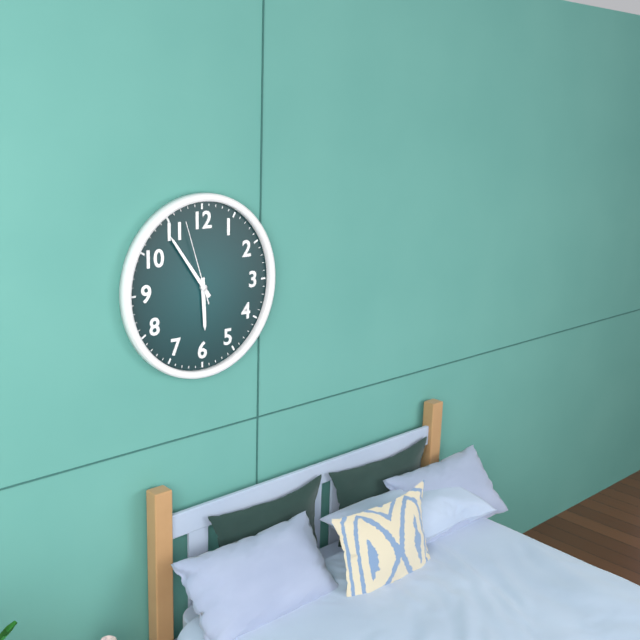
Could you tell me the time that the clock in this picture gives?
5:54:57
